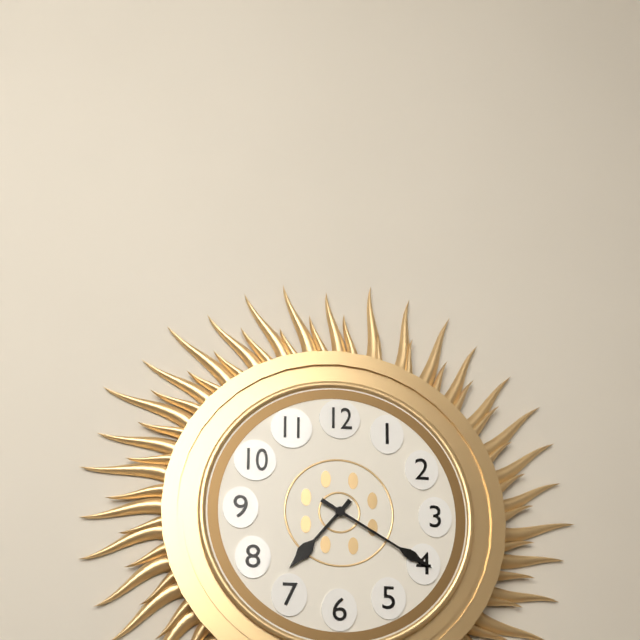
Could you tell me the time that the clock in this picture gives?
7:20
